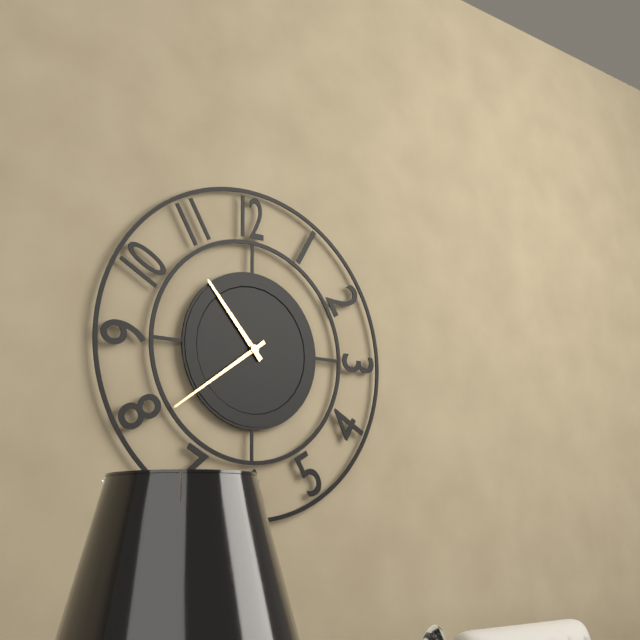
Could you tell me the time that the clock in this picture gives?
10:39
